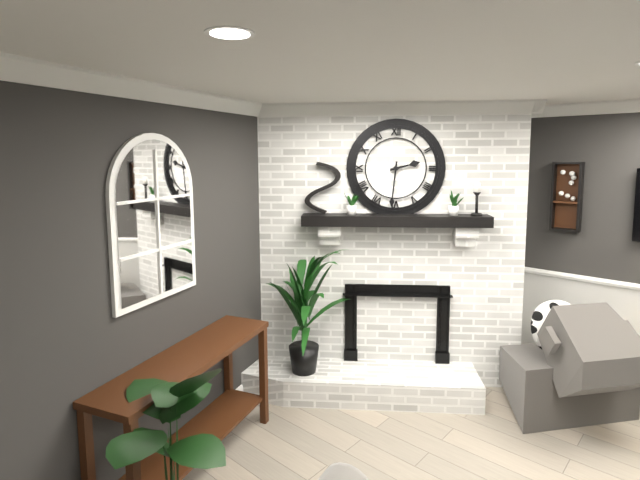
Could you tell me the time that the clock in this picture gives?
2:31
